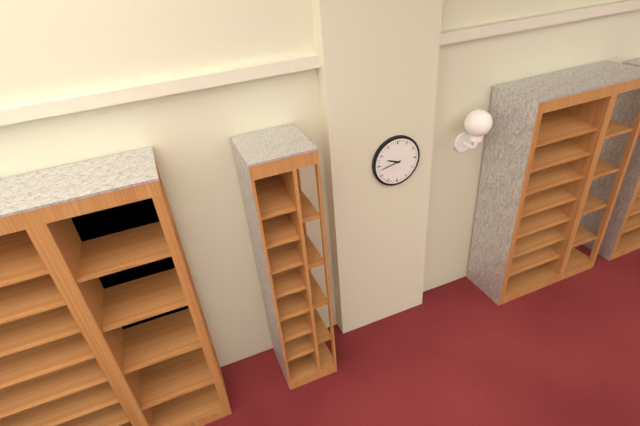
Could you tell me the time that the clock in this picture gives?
9:43
